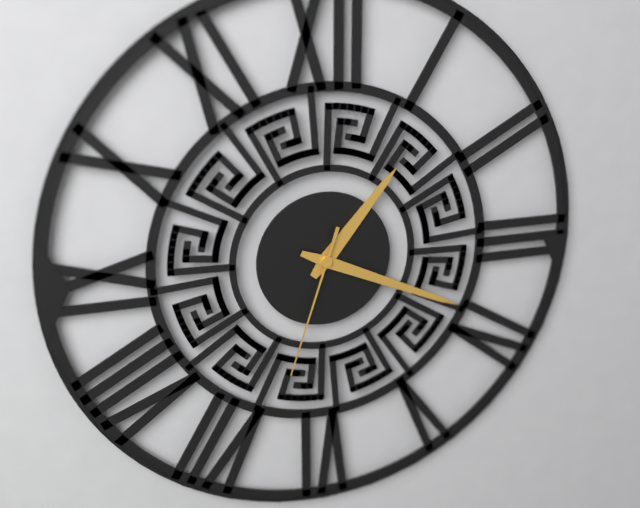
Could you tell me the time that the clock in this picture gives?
1:19:33
